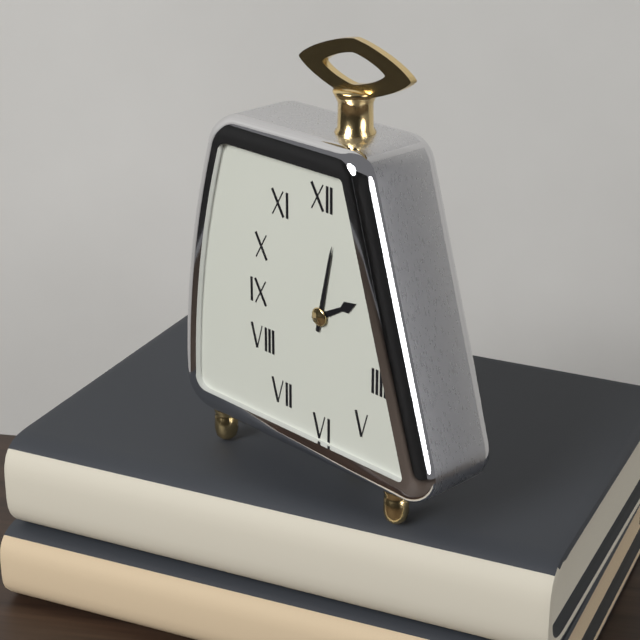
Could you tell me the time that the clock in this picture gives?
2:02
